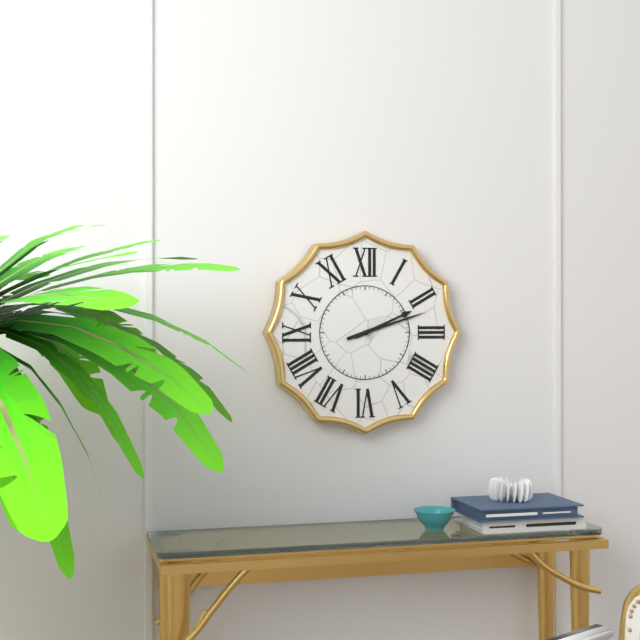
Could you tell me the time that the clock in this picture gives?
2:12
